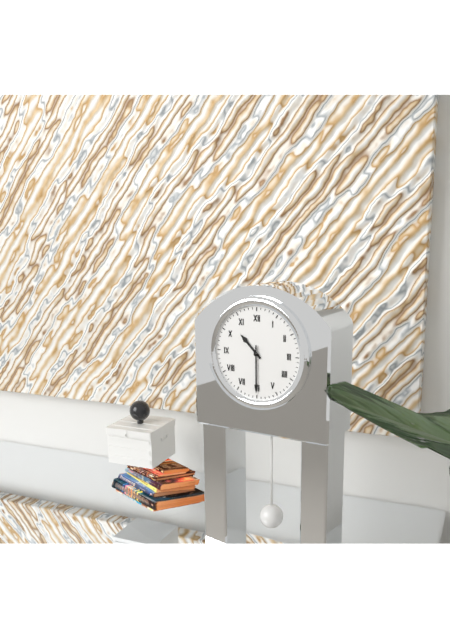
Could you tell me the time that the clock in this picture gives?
10:30
